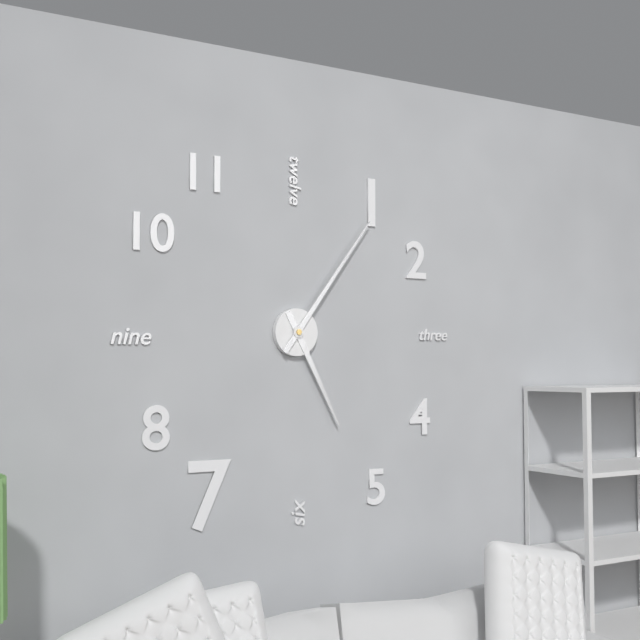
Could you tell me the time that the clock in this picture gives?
5:06
